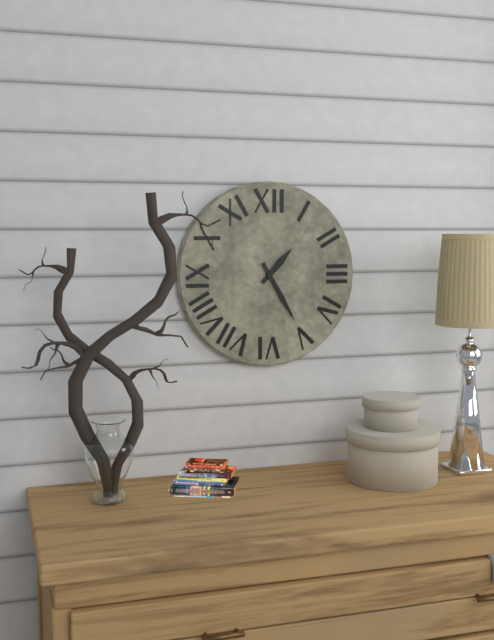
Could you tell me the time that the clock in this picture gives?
1:25
